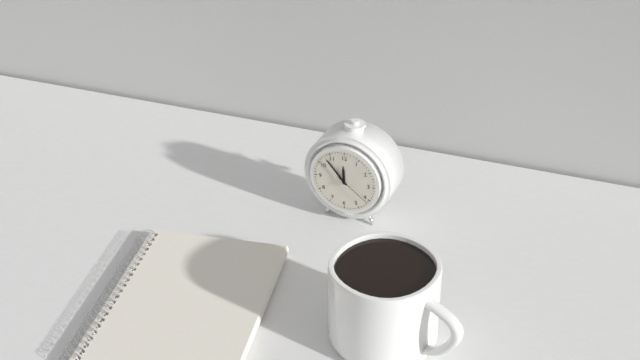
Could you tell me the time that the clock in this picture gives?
11:53
